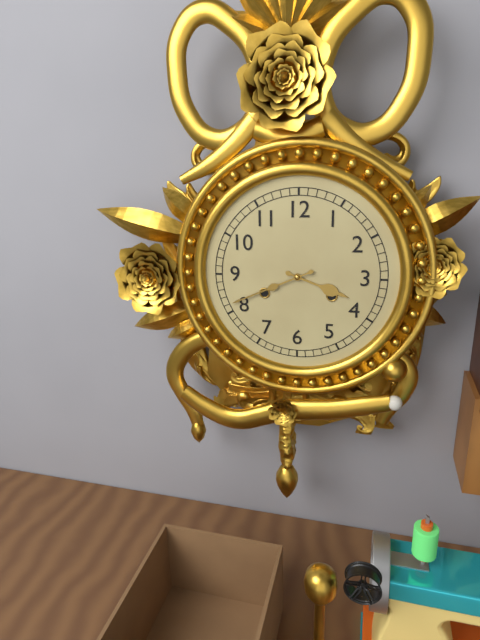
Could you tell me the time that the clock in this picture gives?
3:41
